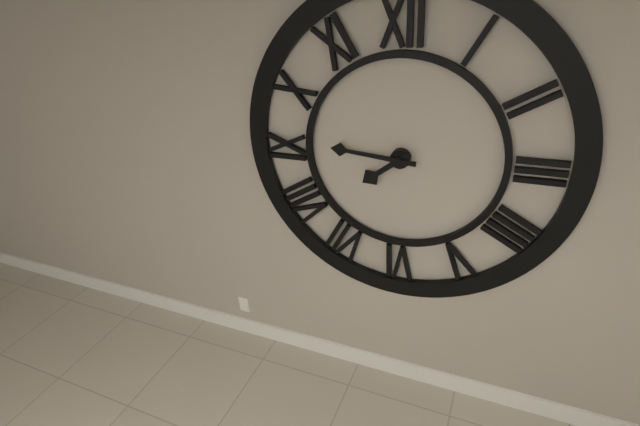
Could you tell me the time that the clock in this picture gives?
7:46
